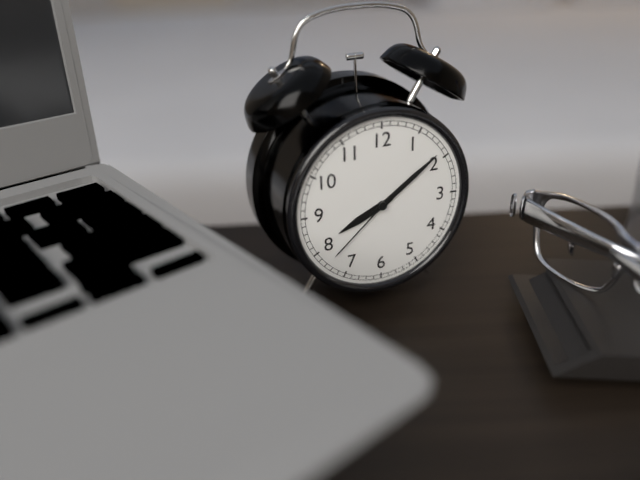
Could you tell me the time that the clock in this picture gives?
8:09:38
